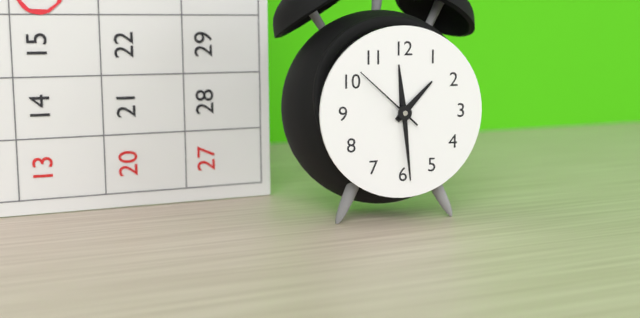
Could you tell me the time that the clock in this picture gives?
1:29:52
